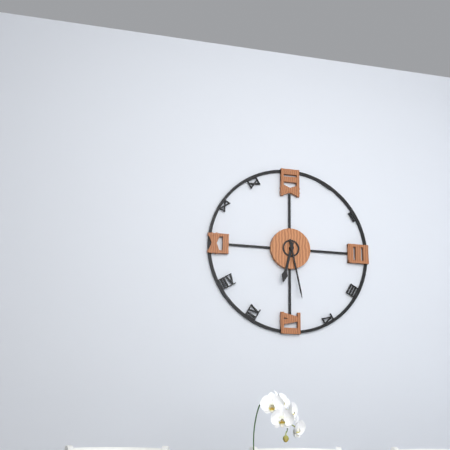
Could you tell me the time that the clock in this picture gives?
6:28
